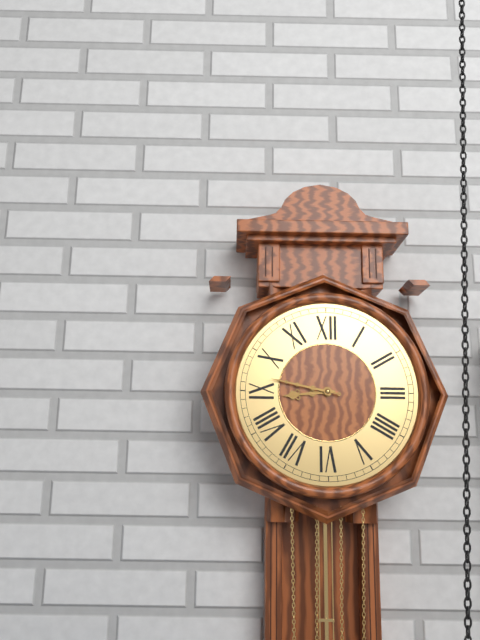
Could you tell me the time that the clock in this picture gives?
8:47
